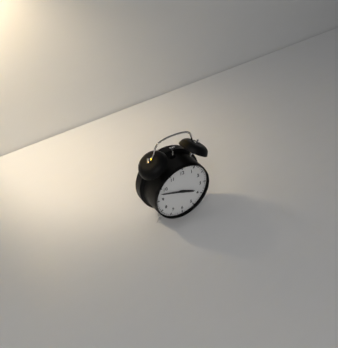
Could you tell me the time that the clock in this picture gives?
3:48
